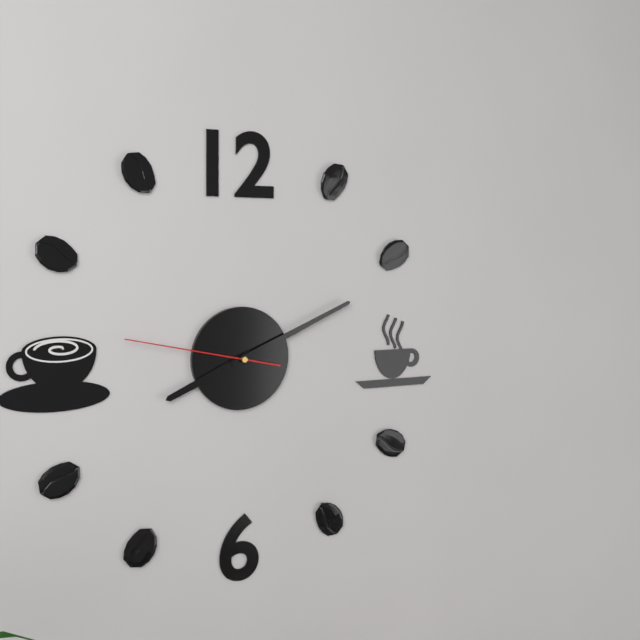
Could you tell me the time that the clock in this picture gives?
8:11:47
